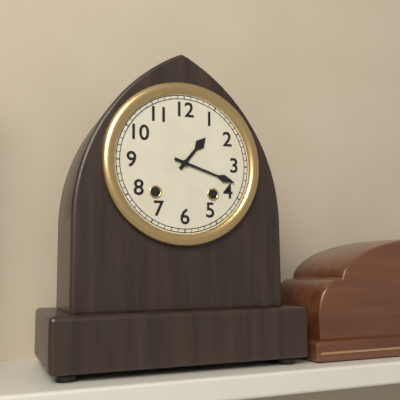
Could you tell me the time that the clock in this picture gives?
1:18
